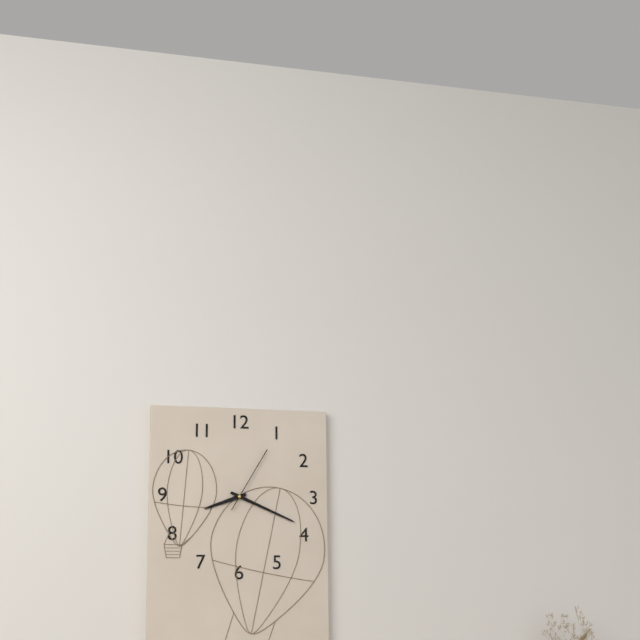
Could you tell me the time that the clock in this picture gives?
8:19:05
